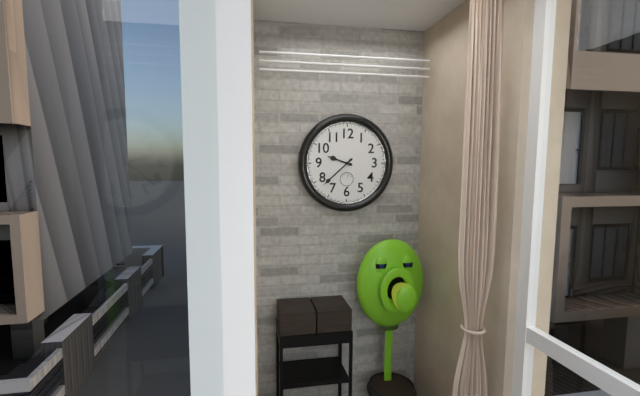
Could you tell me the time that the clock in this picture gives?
9:38
